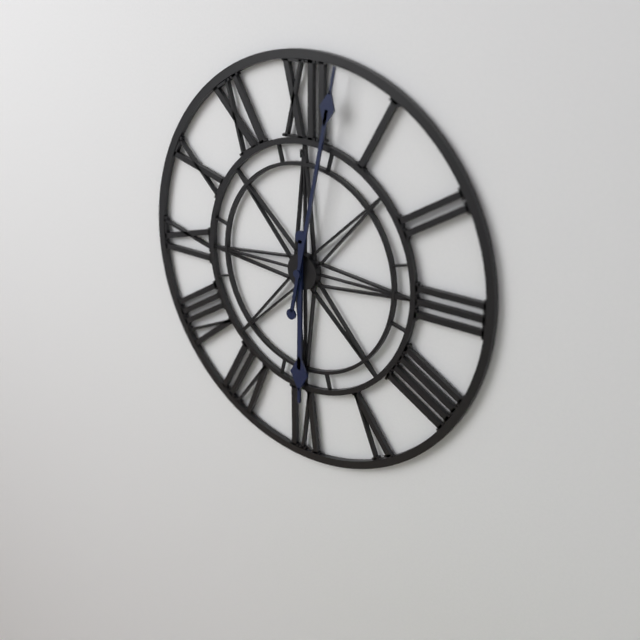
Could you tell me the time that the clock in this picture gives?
6:02
